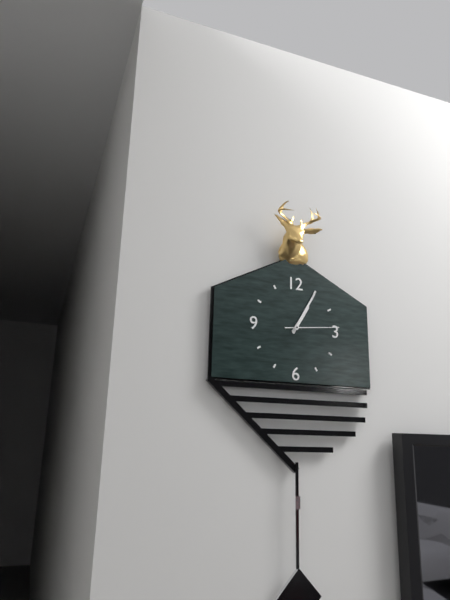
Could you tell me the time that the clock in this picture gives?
1:05:14
